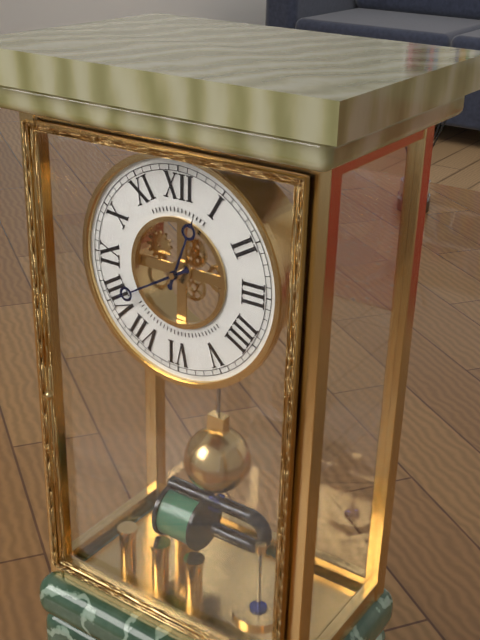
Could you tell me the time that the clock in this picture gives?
12:40
